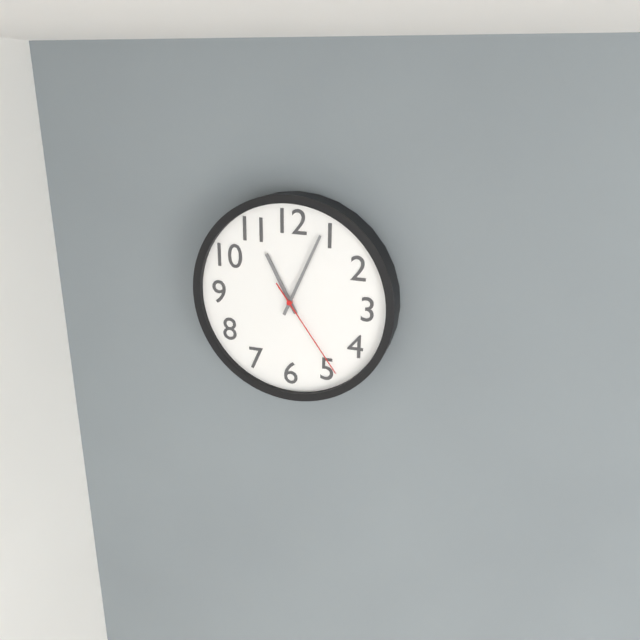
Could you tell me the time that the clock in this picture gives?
11:04:24
